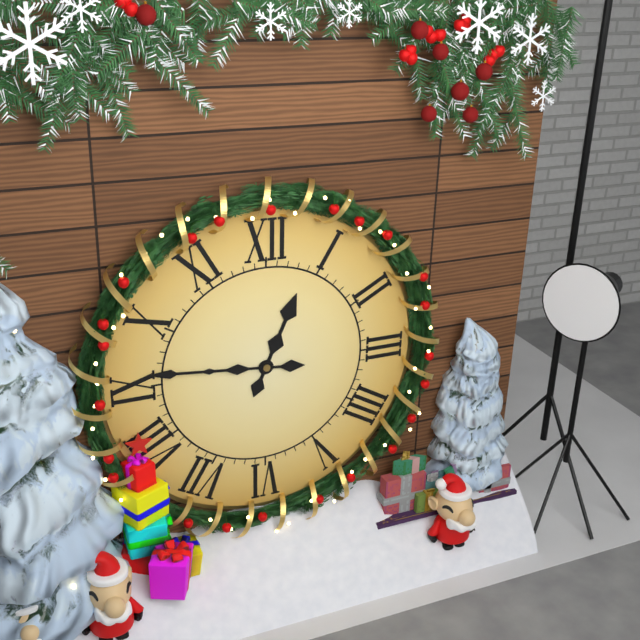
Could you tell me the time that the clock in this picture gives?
12:46
